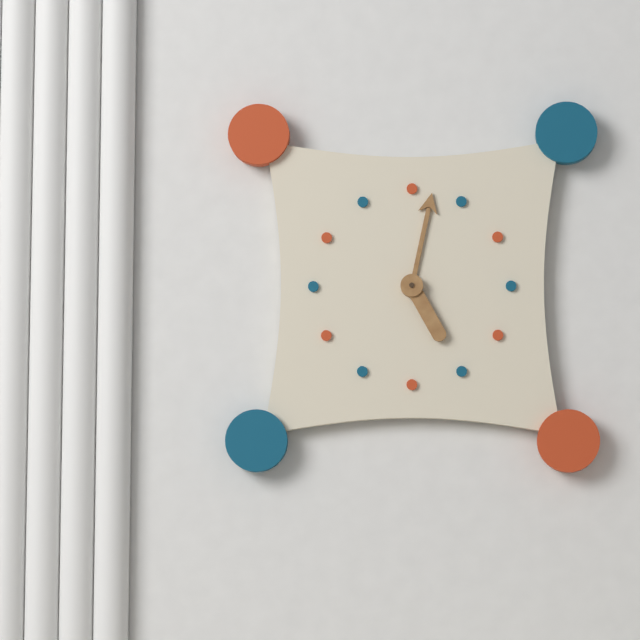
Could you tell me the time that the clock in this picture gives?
5:02
